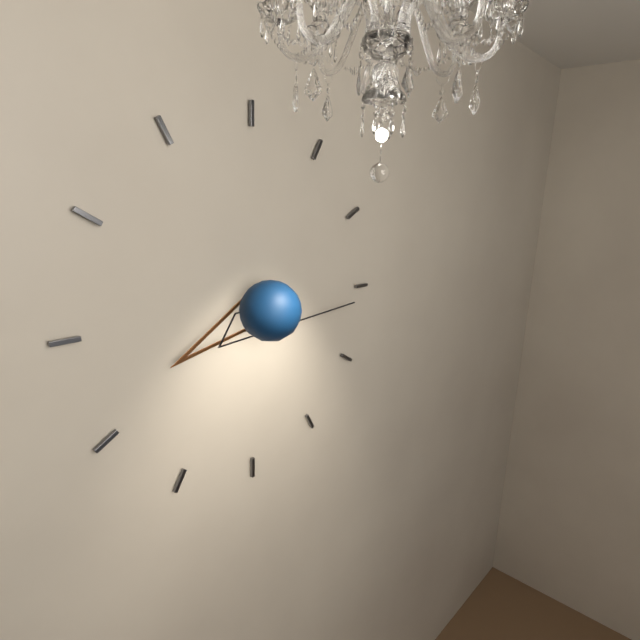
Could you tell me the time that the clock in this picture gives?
8:16
